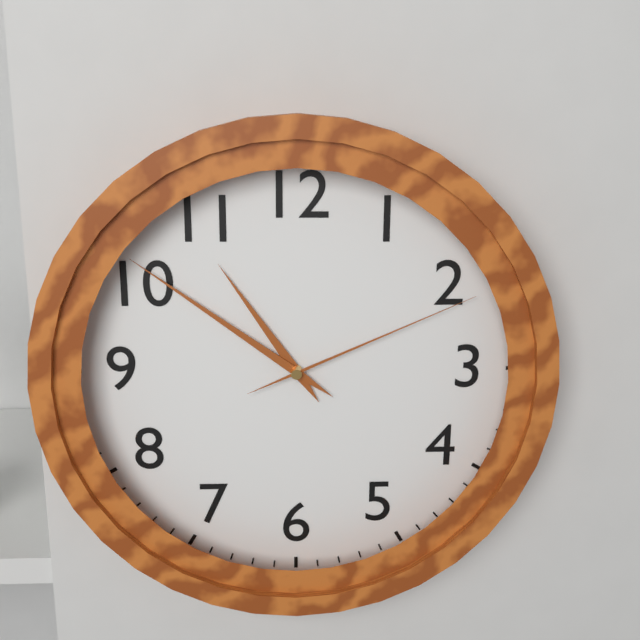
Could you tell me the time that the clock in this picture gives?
10:51:11
